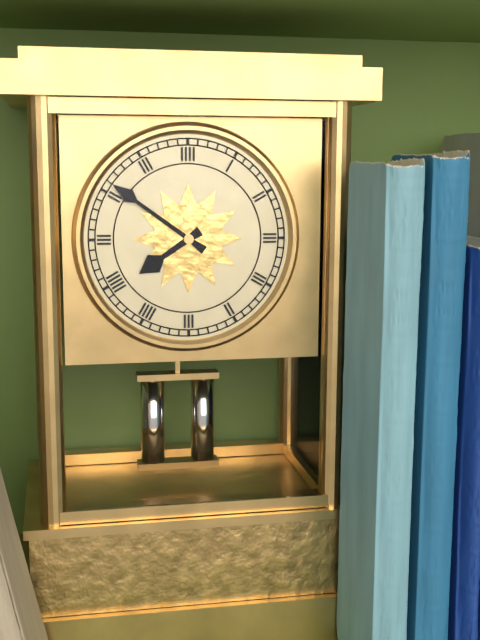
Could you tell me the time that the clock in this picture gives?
7:51
